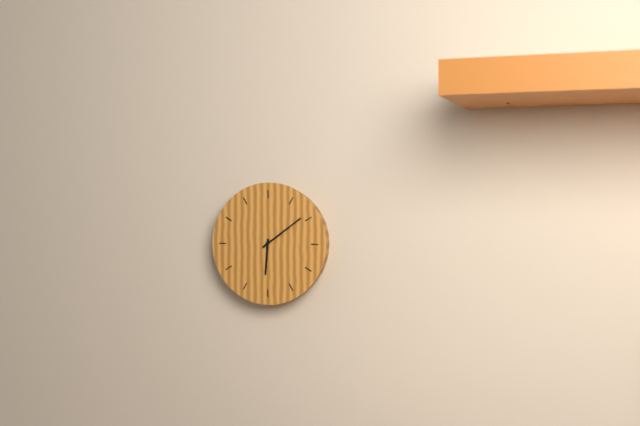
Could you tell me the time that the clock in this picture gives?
6:09
